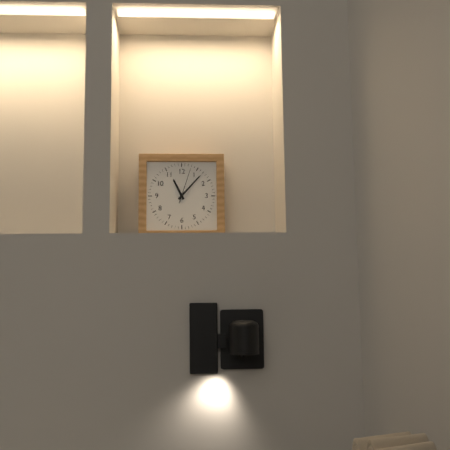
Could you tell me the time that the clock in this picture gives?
11:07
